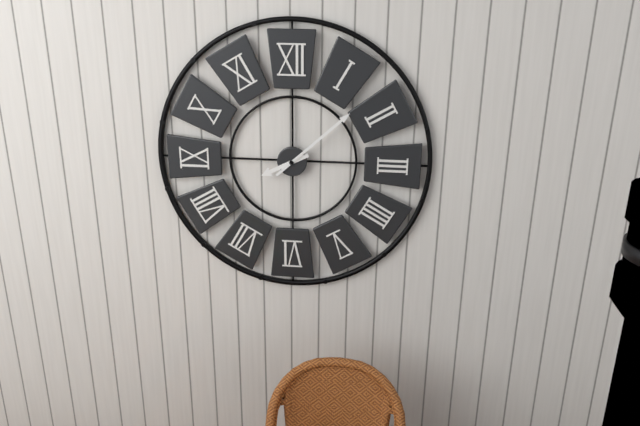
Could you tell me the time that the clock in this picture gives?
8:08
